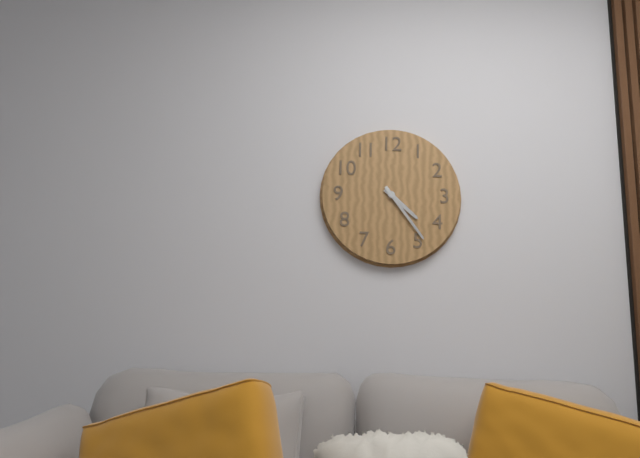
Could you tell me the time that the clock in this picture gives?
4:24
